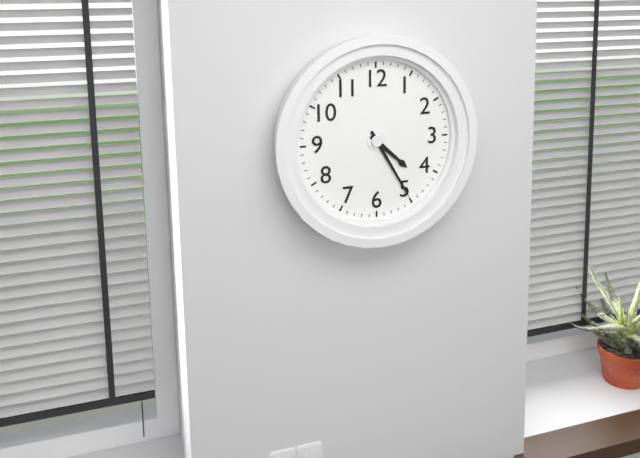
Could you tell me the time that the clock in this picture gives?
4:25
